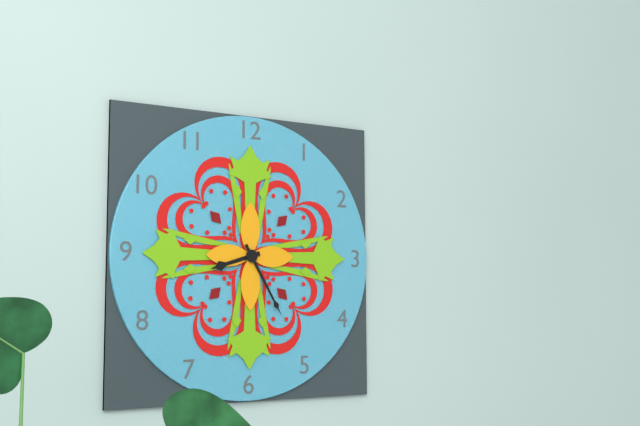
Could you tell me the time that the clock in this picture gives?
8:25
